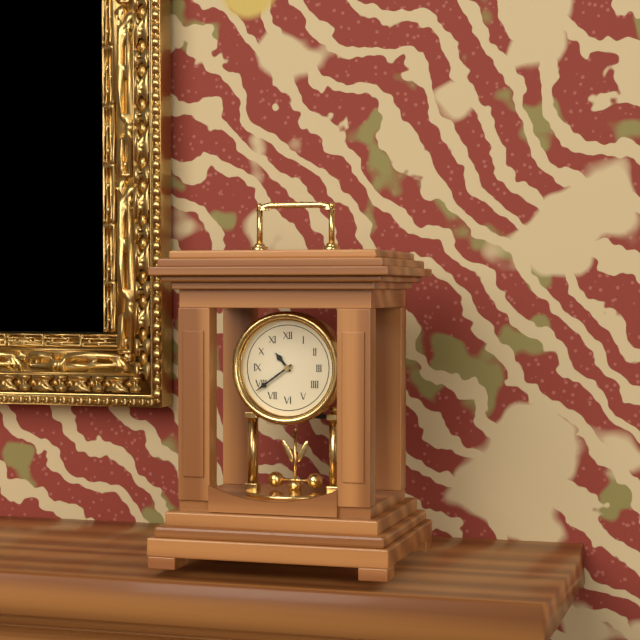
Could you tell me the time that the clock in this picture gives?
10:39
